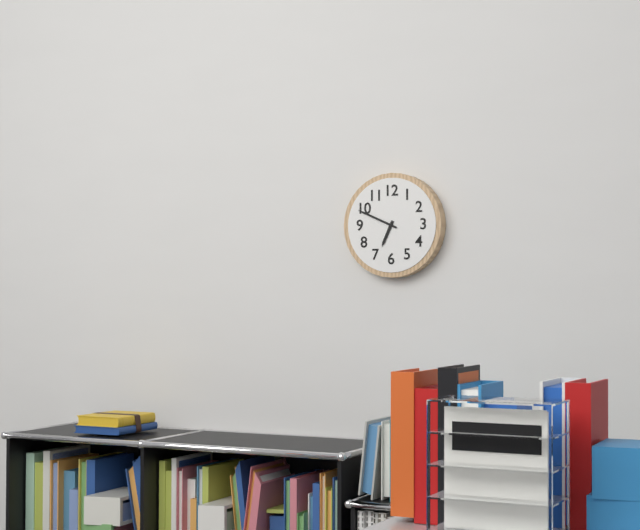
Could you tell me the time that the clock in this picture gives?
6:49
